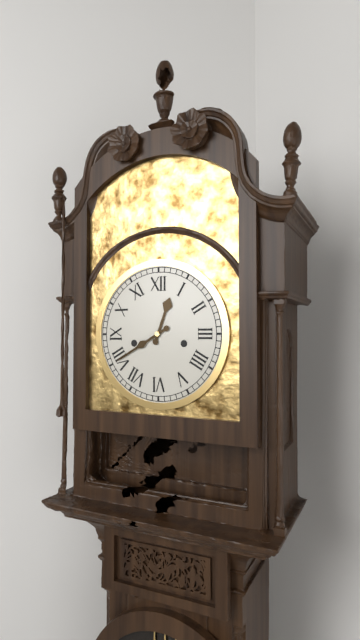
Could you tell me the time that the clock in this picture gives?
12:40
